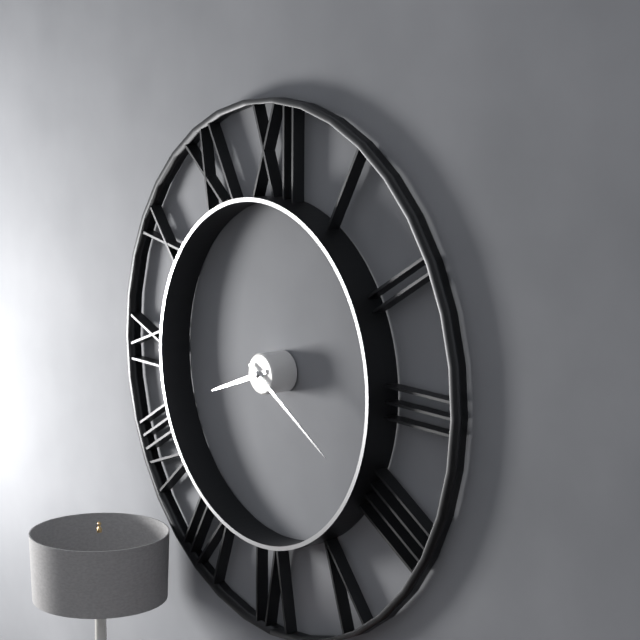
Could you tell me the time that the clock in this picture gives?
8:20
